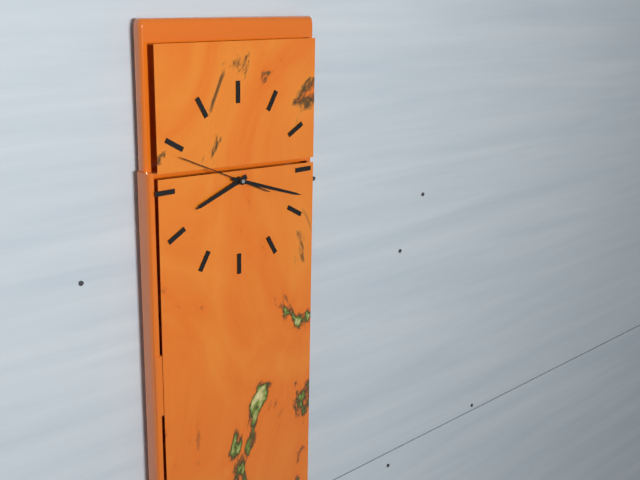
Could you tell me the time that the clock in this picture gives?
8:18:49
